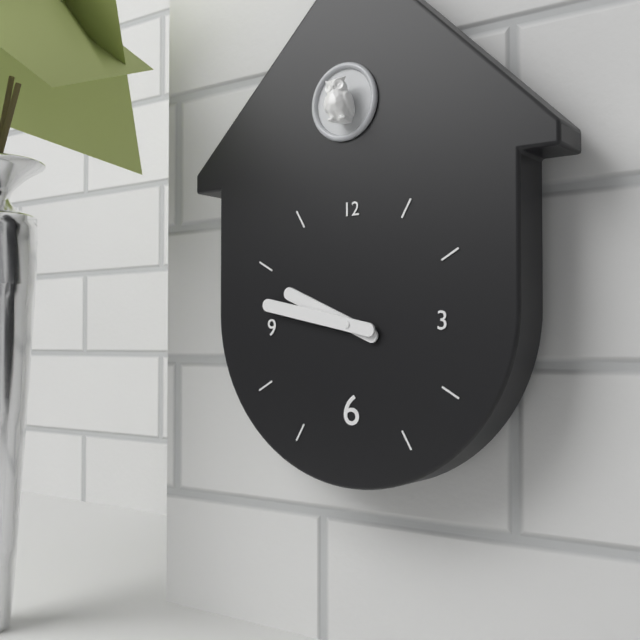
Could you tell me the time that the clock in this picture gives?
9:47
